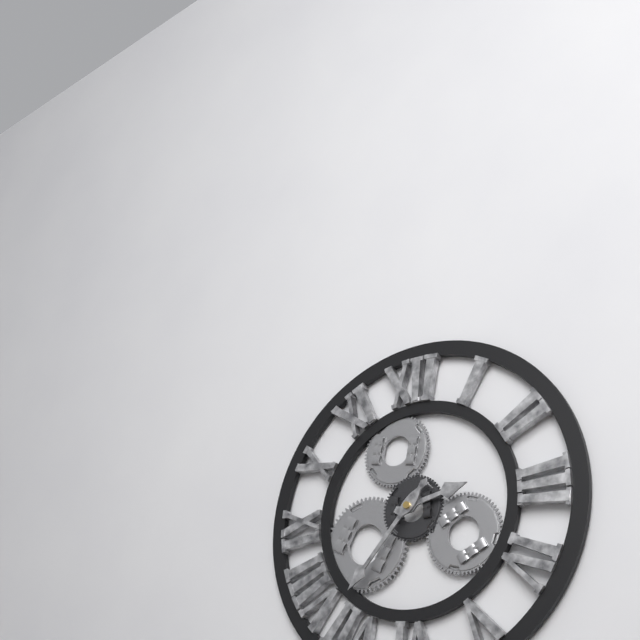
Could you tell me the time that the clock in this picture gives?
2:37
